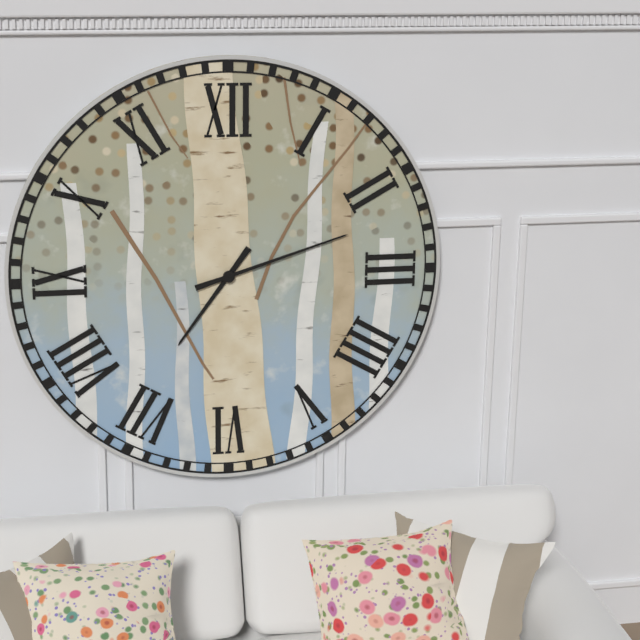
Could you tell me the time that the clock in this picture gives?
7:12
